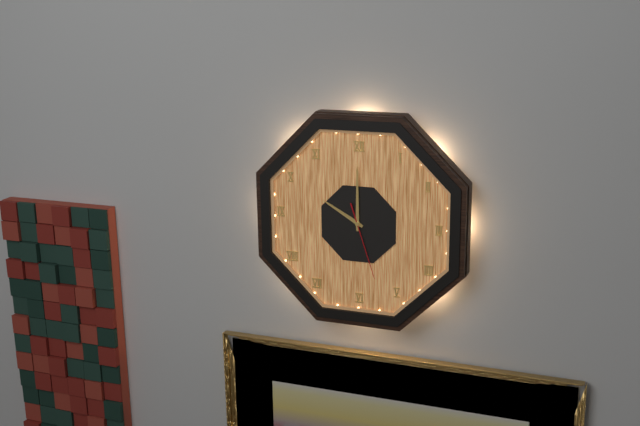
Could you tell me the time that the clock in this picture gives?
10:00:27
